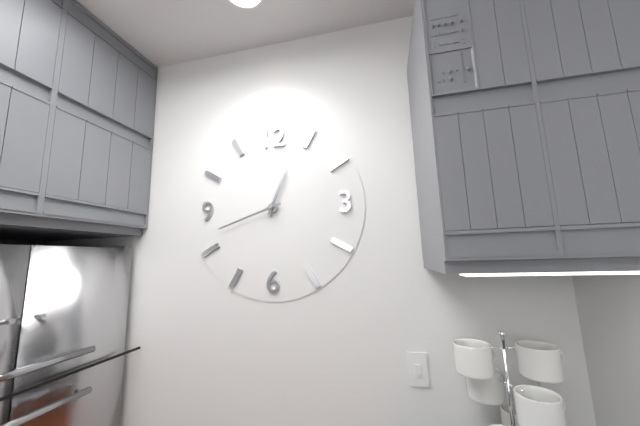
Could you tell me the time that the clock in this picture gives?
12:42
